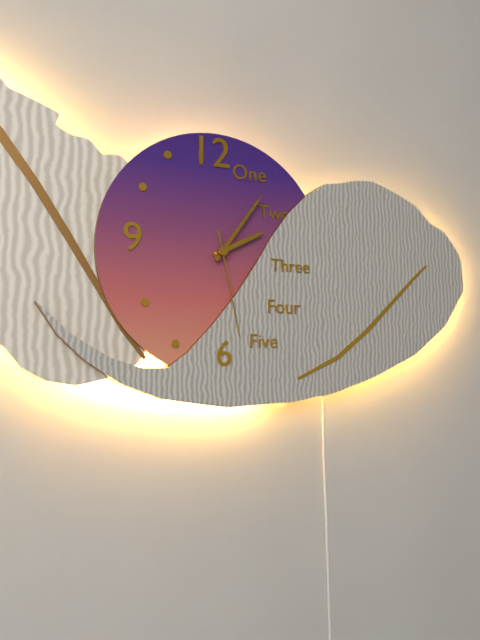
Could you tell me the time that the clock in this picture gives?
2:06:28
